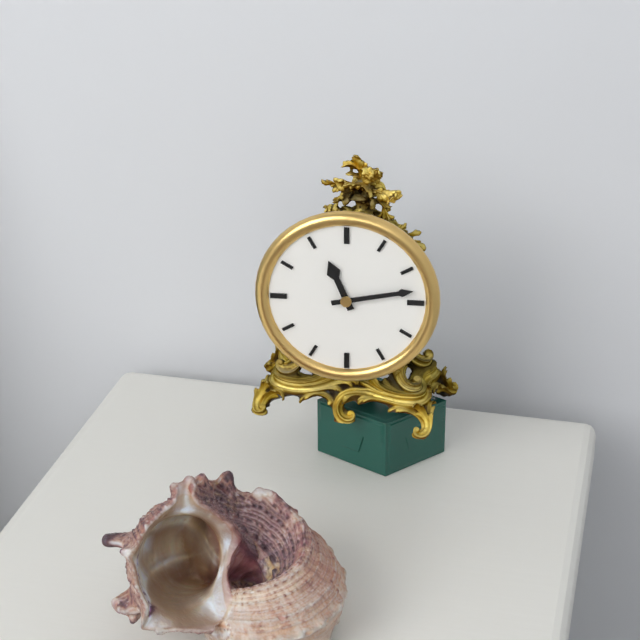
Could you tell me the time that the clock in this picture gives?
11:13
